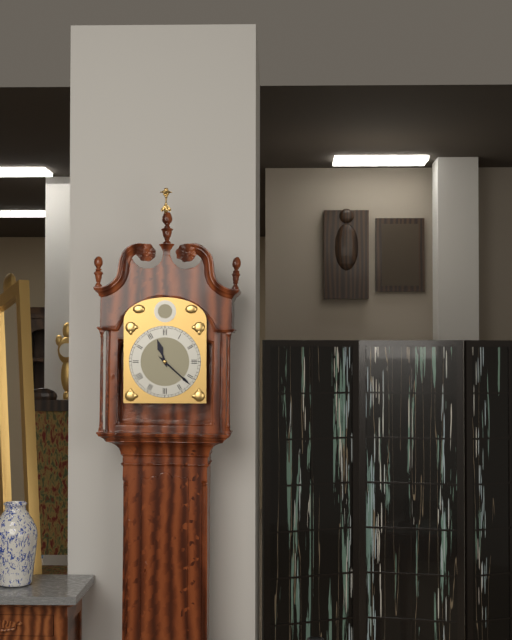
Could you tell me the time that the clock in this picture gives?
11:22
